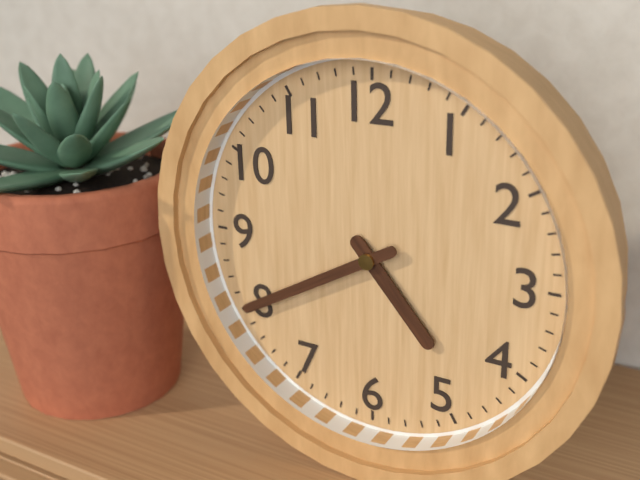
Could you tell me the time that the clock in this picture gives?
4:40
